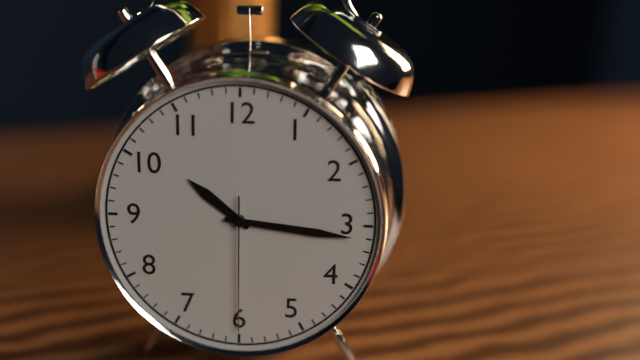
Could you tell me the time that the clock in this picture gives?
10:16:30
